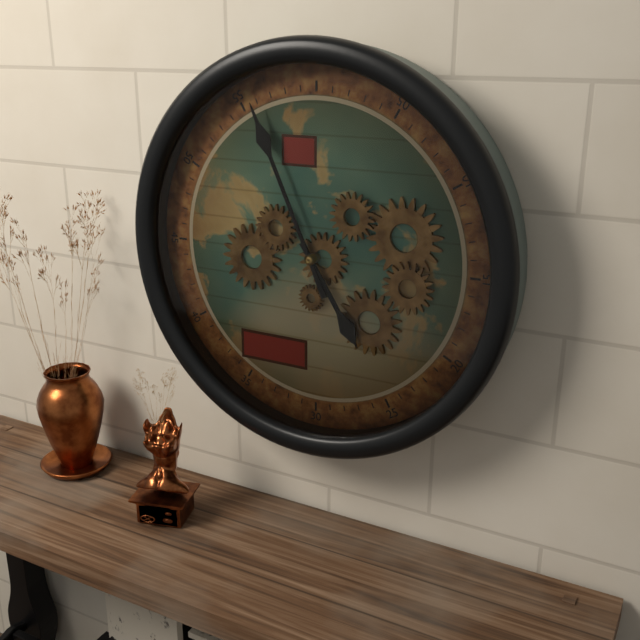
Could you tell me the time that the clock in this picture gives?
4:56
